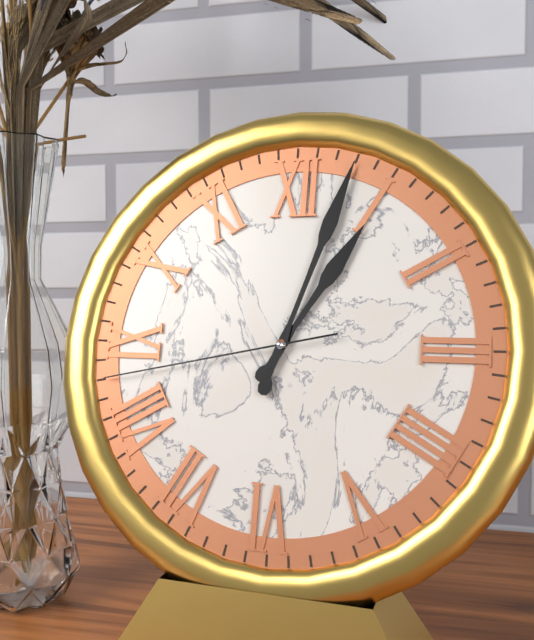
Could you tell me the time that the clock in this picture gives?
1:03:43
